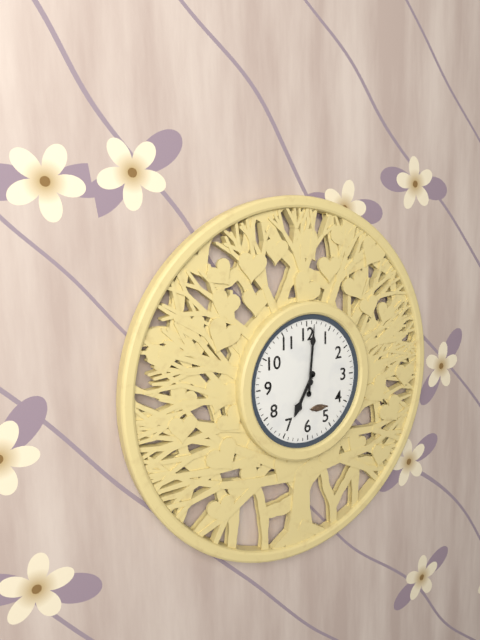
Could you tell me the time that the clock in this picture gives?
7:01
